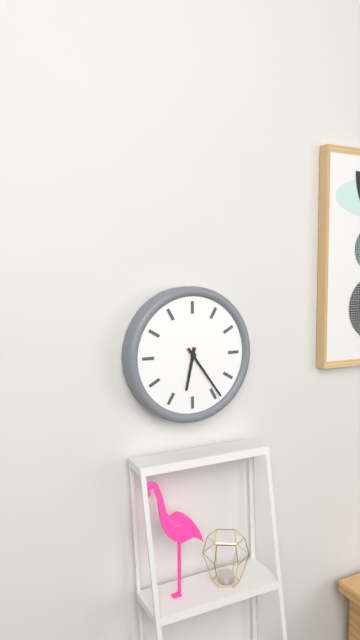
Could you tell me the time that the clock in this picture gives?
6:24
